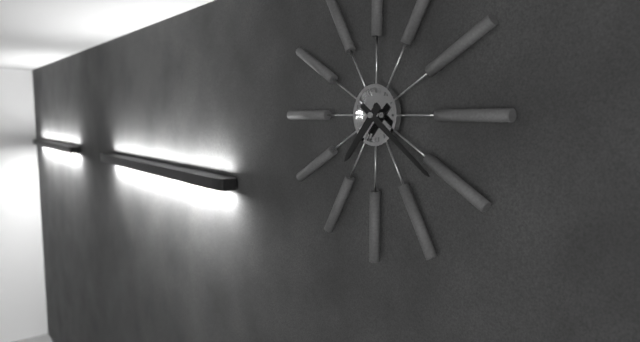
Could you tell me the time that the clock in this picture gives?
7:21
